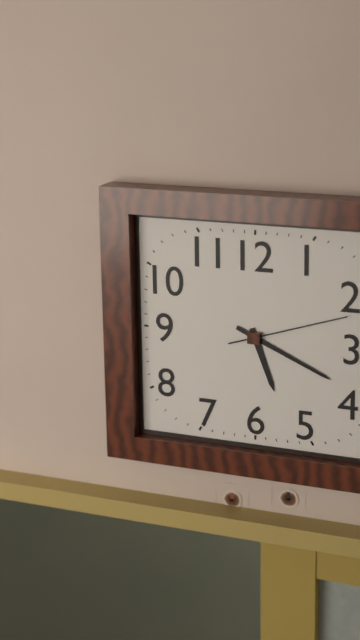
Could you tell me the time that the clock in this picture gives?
5:19:12
